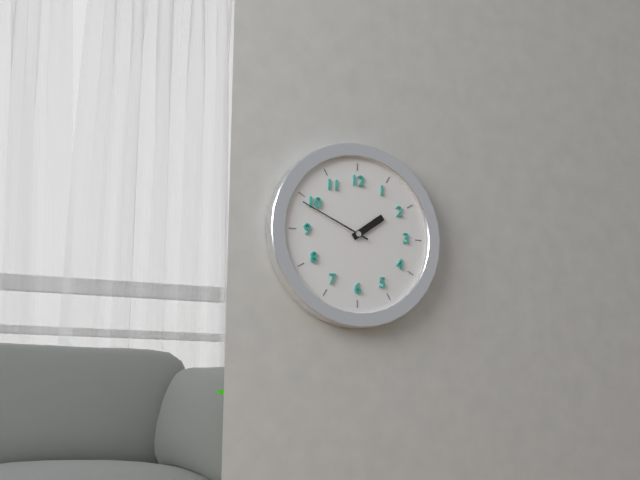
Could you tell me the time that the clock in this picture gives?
1:49
